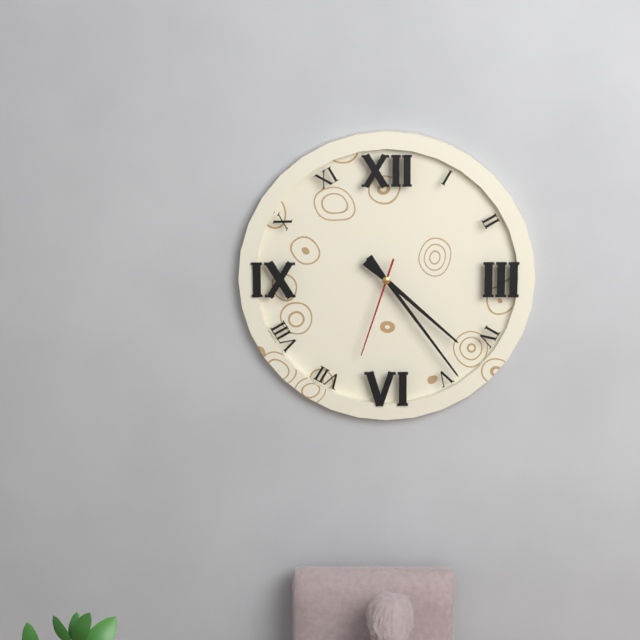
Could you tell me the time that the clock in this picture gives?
4:24:33
